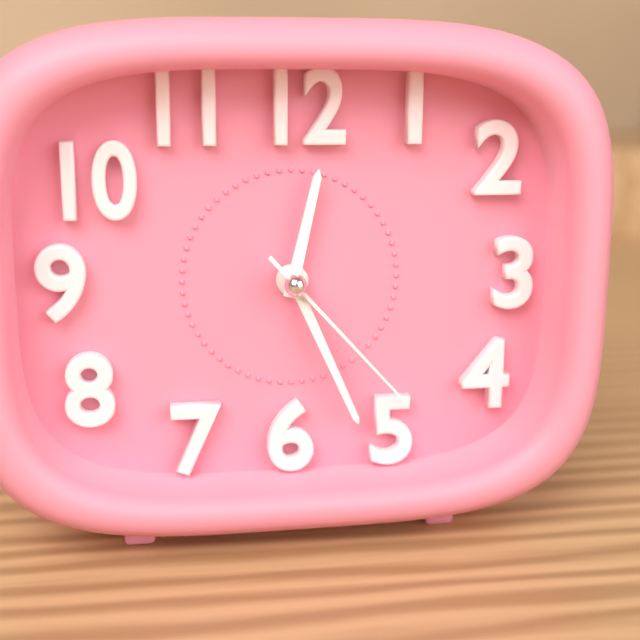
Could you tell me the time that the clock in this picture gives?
12:26:23
